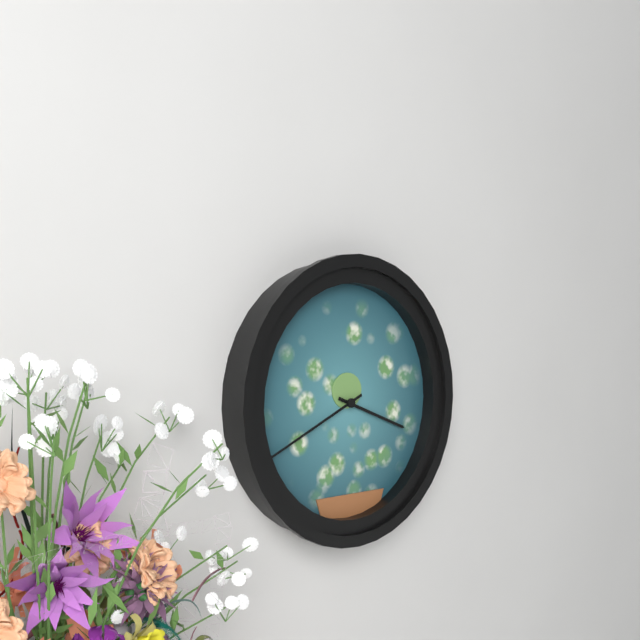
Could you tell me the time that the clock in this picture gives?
3:41
